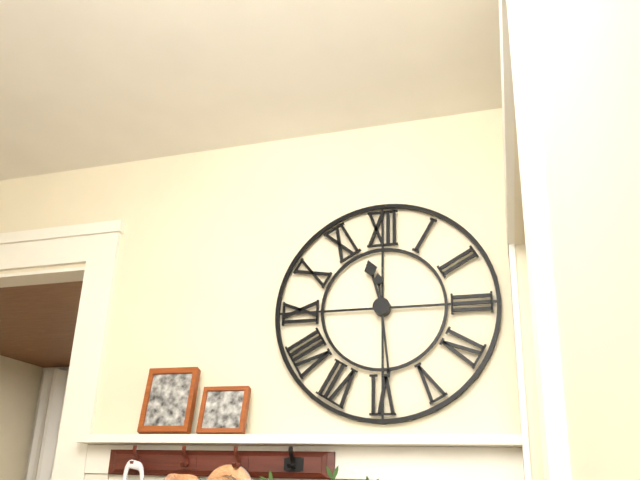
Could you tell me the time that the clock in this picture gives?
11:29
